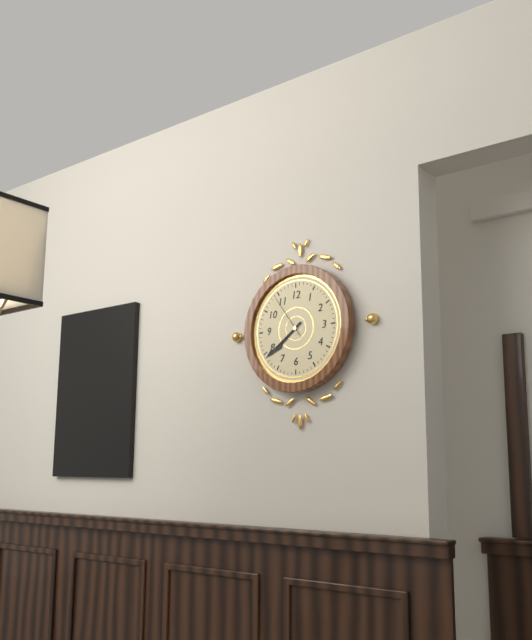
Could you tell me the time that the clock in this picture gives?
7:39
